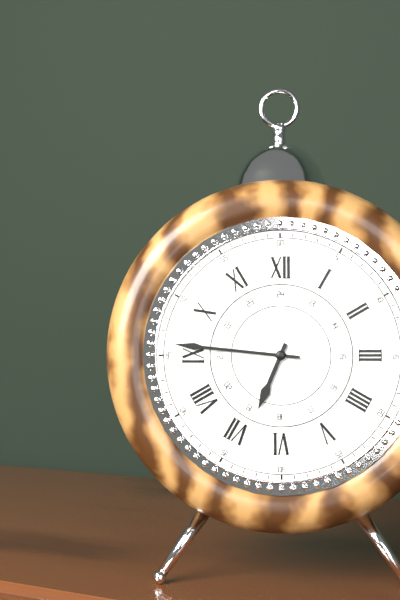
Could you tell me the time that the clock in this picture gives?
6:46
